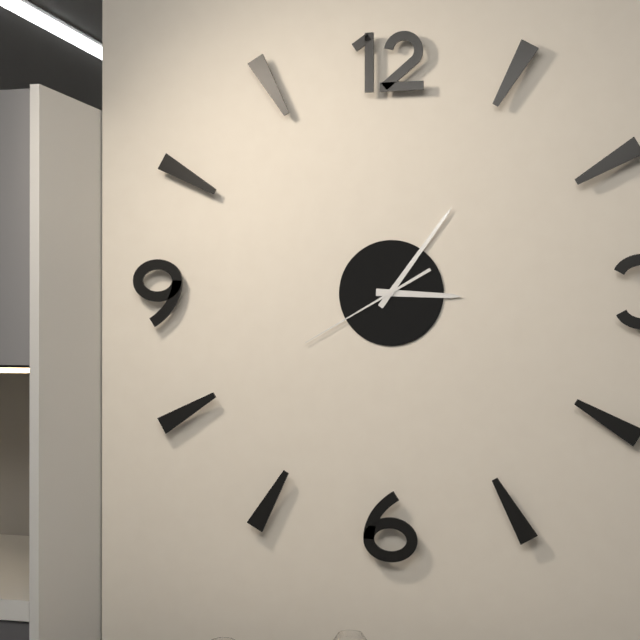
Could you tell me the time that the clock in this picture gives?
3:06:40
